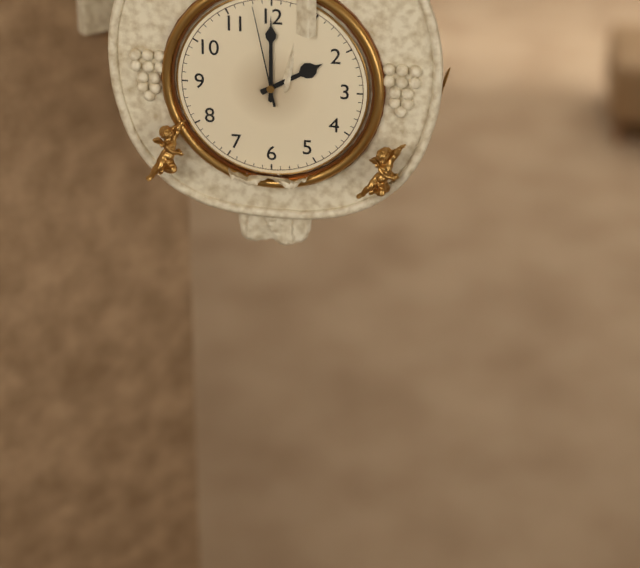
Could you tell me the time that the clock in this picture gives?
2:00:58
